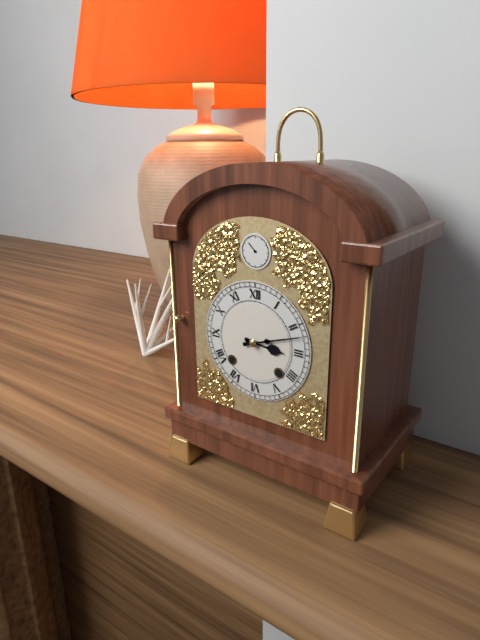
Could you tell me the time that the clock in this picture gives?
3:12
